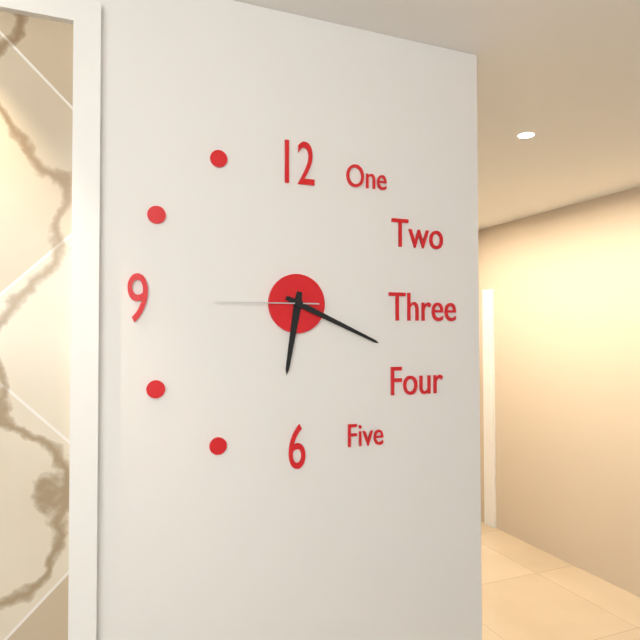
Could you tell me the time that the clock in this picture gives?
6:19:45
